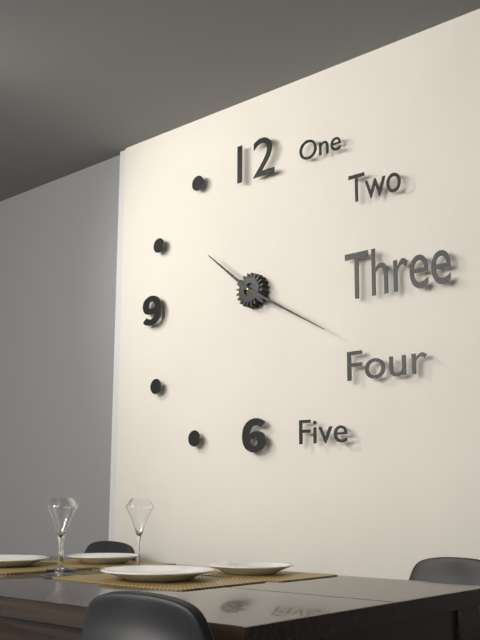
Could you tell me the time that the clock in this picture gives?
10:20
